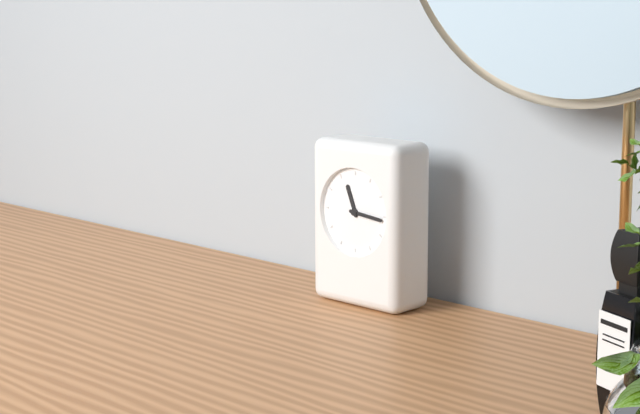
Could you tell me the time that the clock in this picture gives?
11:16
